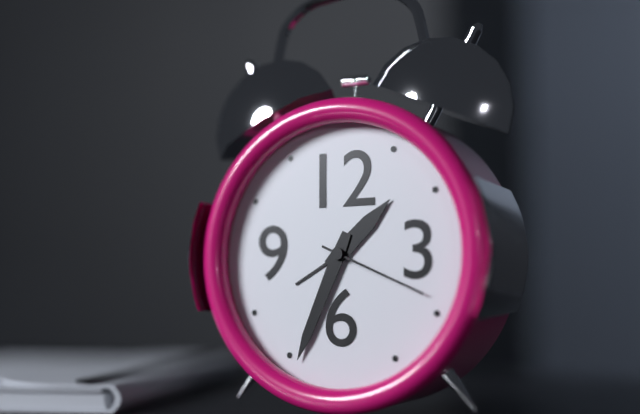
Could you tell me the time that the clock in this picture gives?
1:34:19
